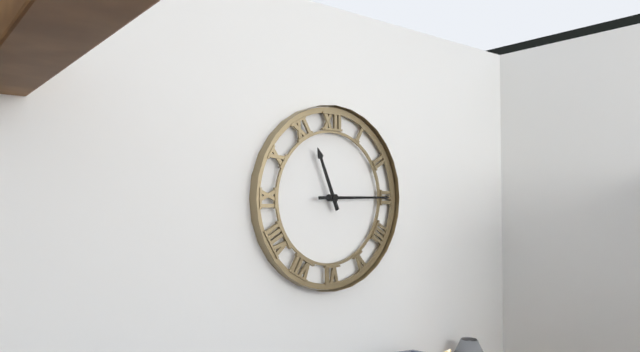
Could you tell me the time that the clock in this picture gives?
11:15
